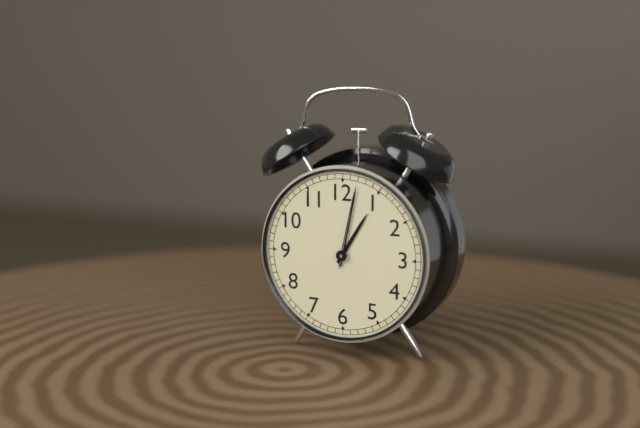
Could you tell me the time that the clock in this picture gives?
1:02:02
